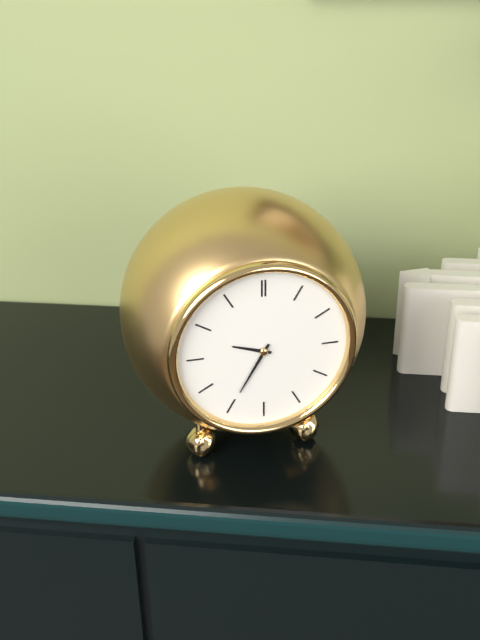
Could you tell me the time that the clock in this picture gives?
9:35
